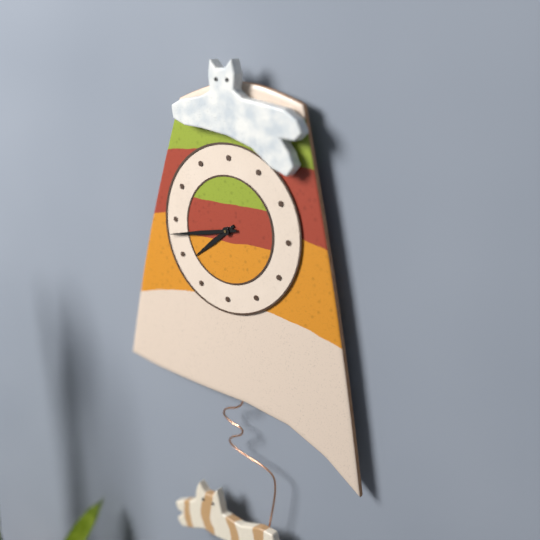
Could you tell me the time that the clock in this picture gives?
7:43
